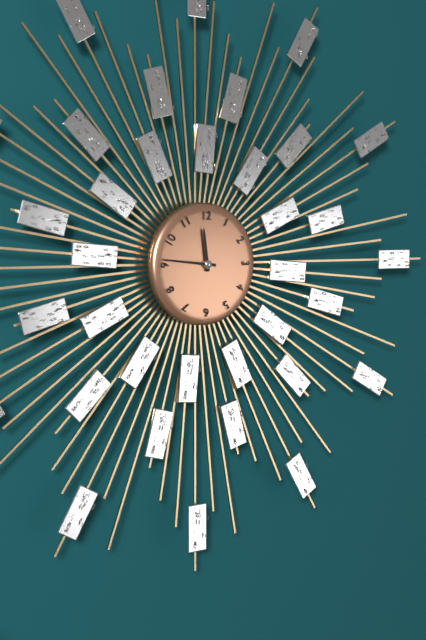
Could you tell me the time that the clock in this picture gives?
11:46
